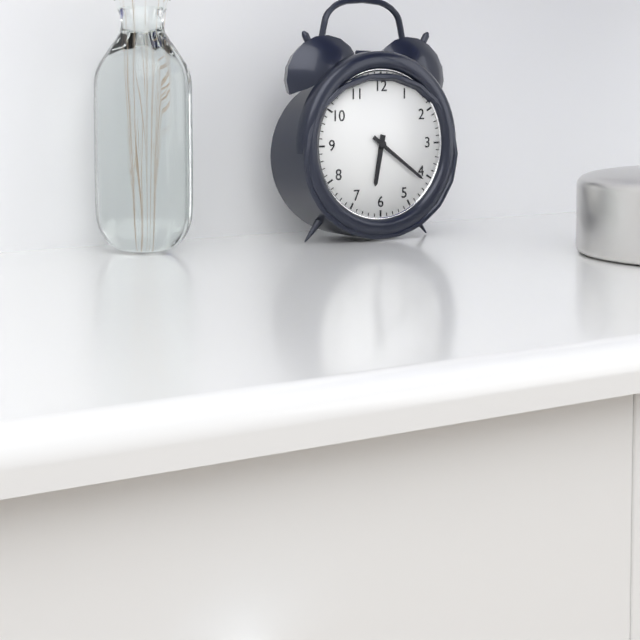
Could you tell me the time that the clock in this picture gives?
6:21
